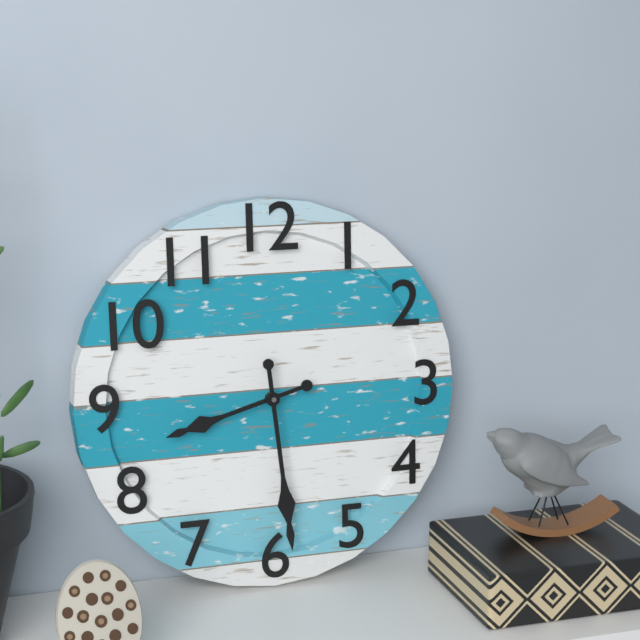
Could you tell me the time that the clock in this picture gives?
8:29
